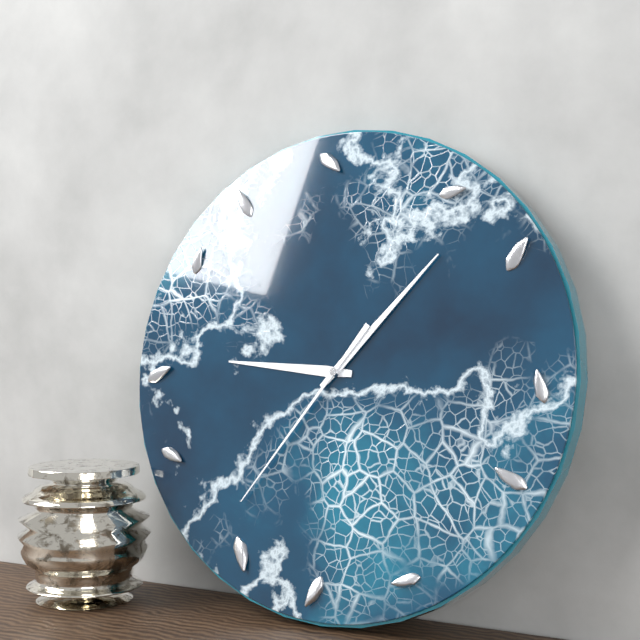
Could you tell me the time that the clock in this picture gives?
9:07:36
